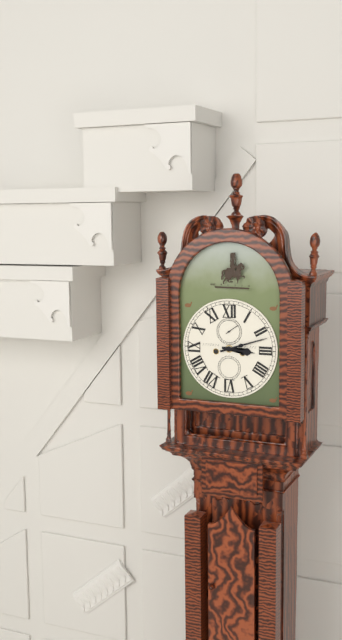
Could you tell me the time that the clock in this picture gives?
3:12
